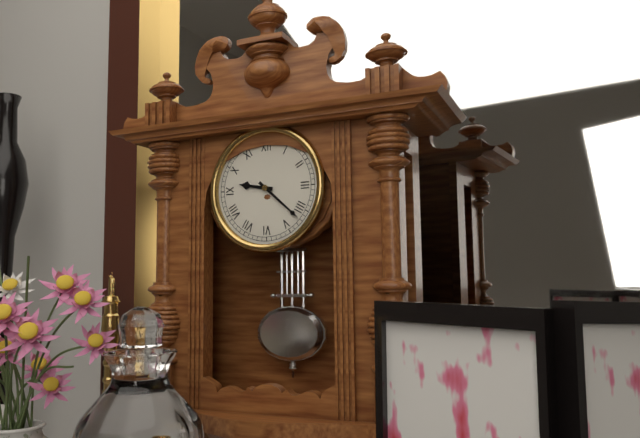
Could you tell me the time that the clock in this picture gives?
9:22
